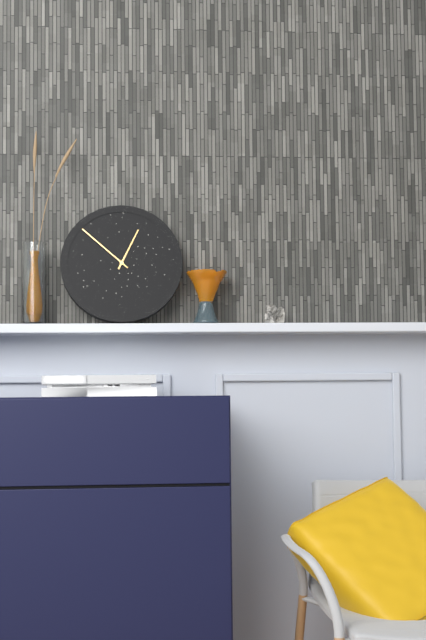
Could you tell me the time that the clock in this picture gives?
12:52
